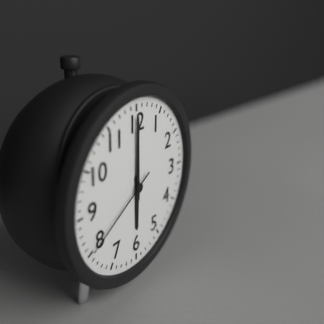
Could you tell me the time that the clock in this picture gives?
6:00:40
